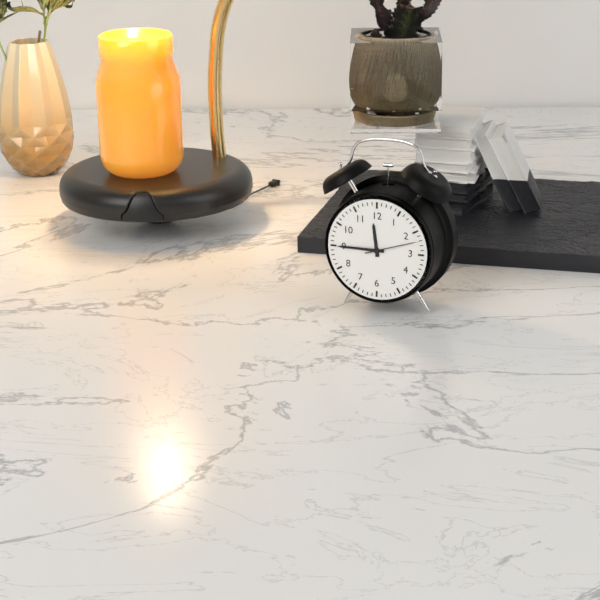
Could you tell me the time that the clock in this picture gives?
11:45:12
